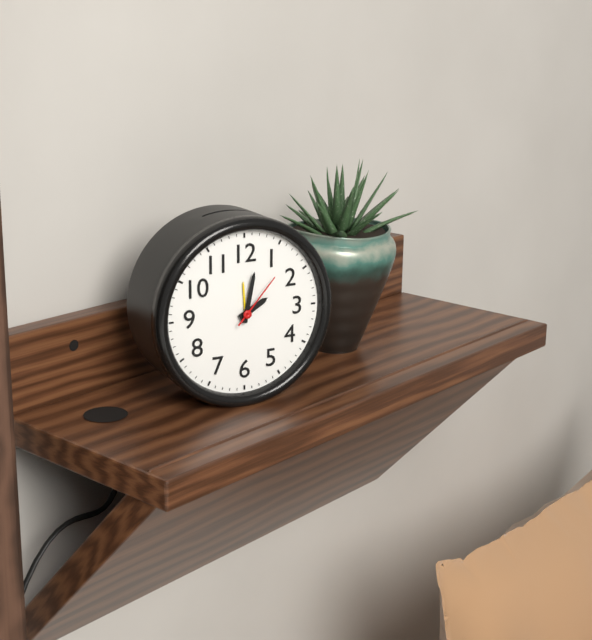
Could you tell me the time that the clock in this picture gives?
2:02:07
